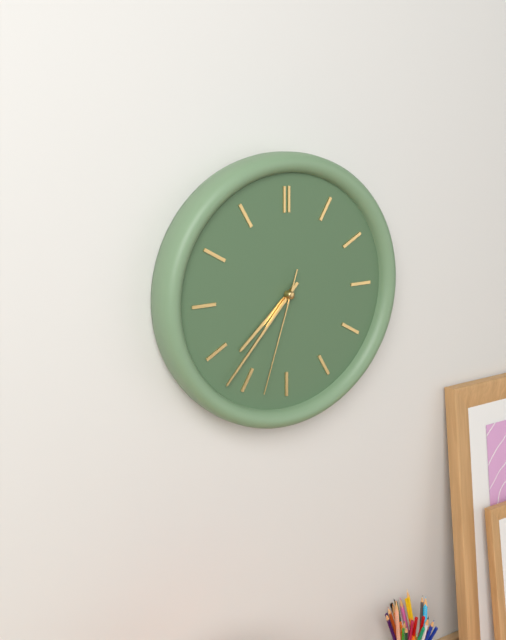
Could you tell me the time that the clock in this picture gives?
7:37:33
